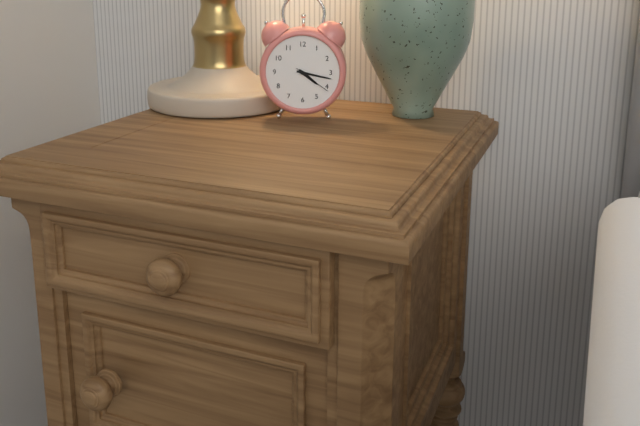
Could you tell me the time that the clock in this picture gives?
4:17
